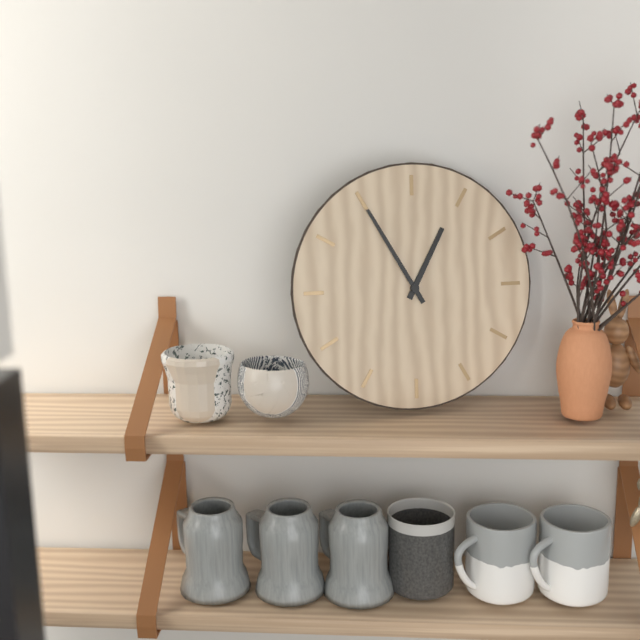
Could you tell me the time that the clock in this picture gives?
12:55
